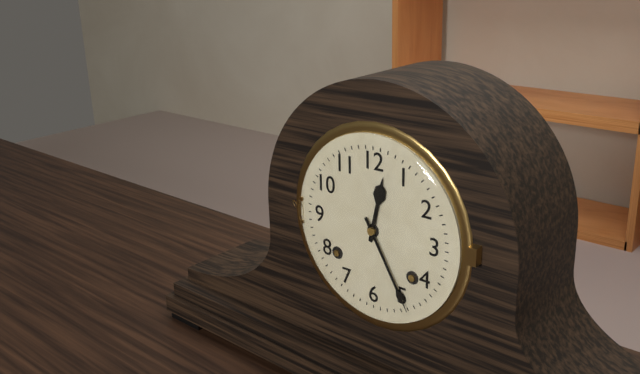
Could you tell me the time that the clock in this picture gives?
12:25
